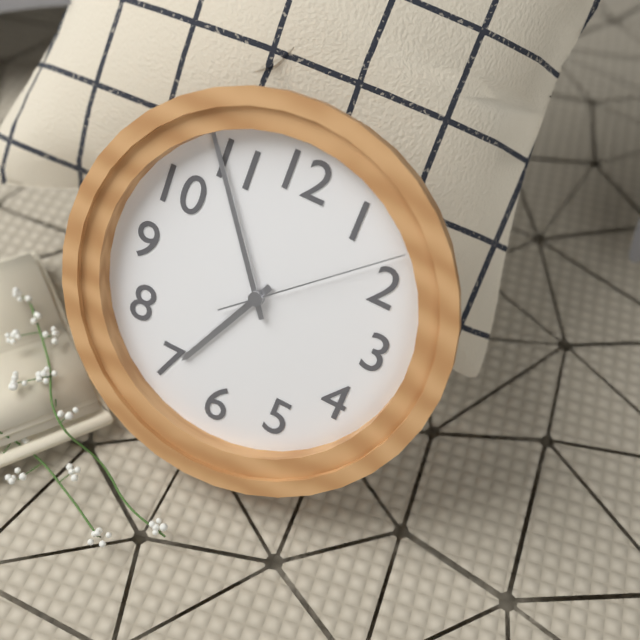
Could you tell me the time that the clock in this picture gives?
6:54:08
